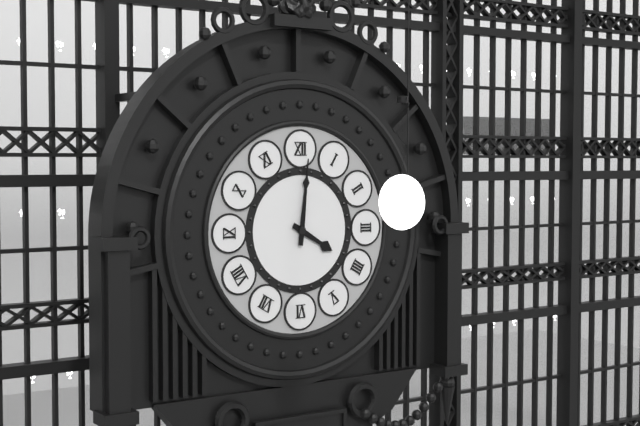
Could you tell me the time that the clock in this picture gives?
4:01
